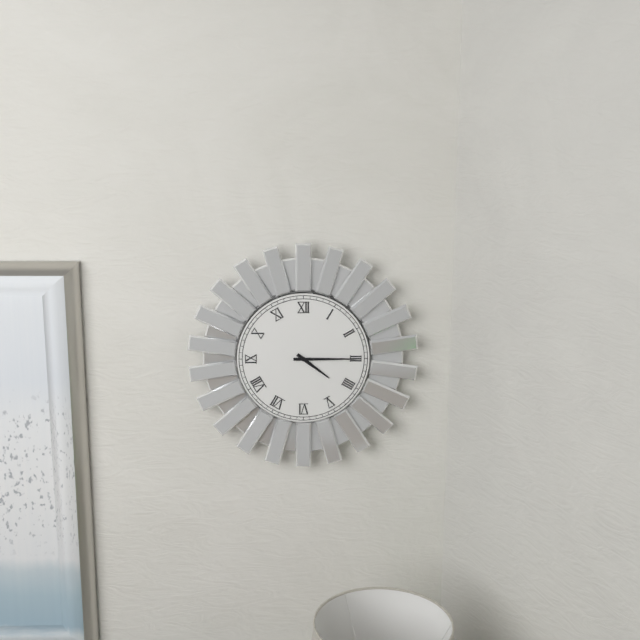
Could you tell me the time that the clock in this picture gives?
4:15
